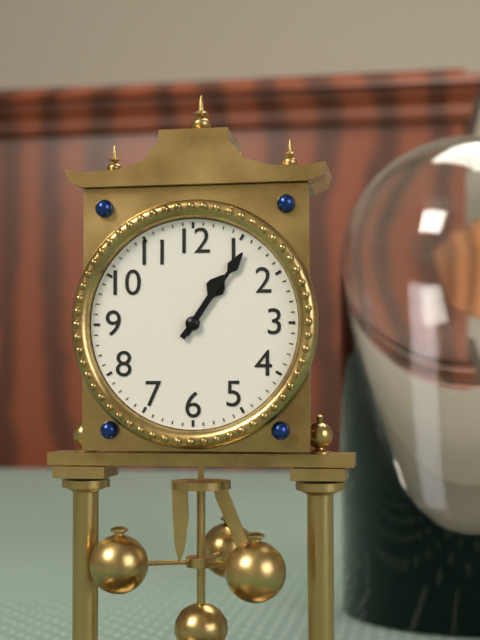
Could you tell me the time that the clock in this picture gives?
1:06
